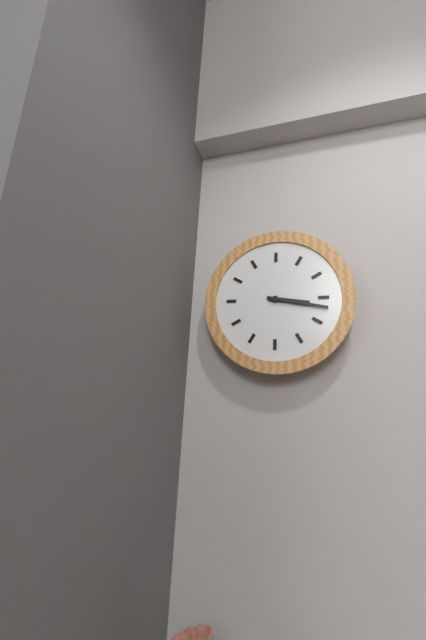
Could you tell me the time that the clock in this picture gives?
3:17
